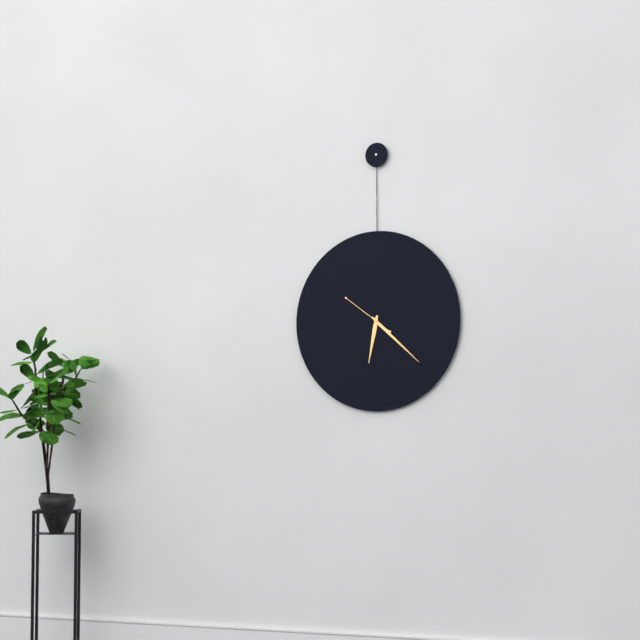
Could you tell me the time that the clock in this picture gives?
6:22
